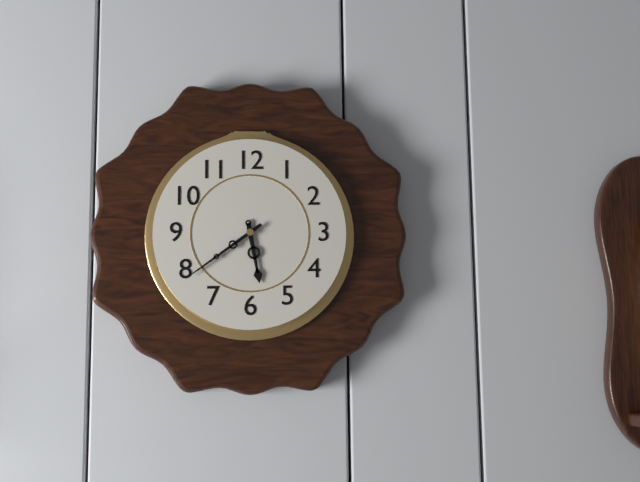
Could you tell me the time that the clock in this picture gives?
5:39
